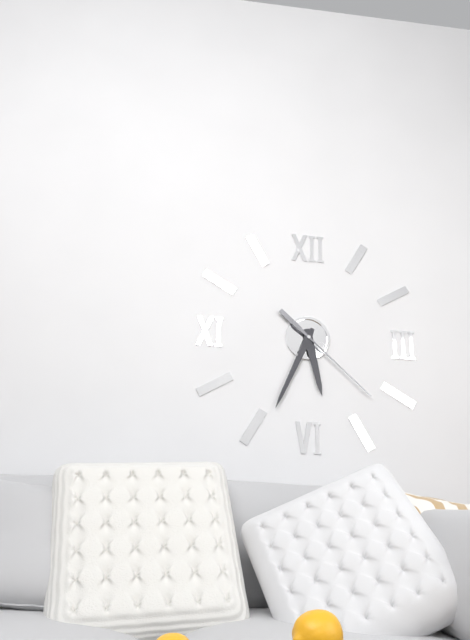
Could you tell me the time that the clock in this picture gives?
5:34:22
